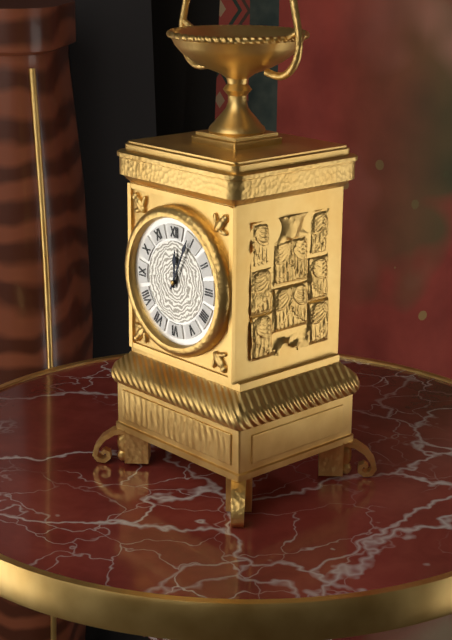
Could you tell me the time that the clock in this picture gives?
12:04
